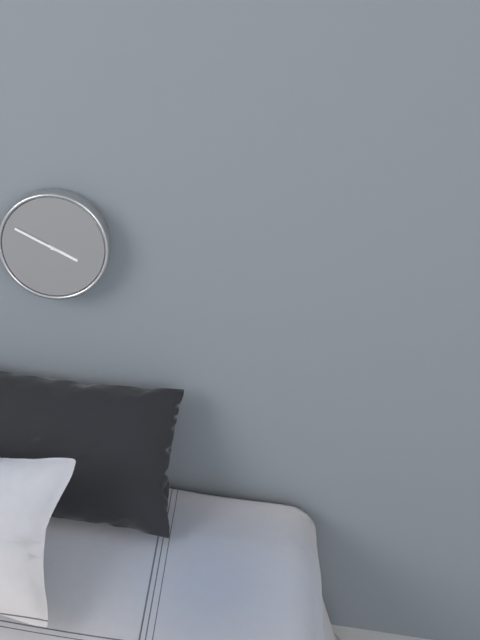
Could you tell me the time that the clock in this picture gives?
3:49
